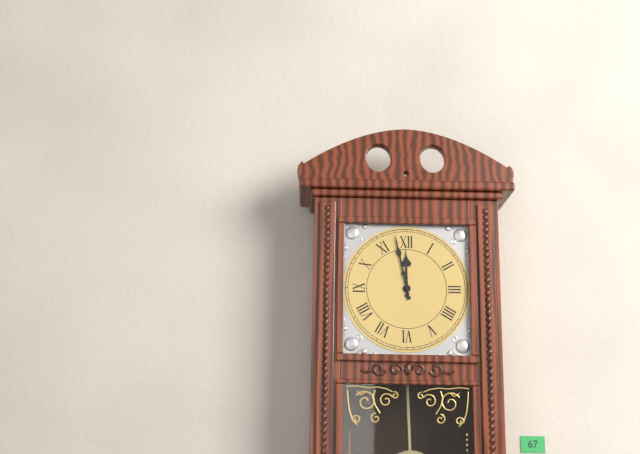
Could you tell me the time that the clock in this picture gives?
11:58
